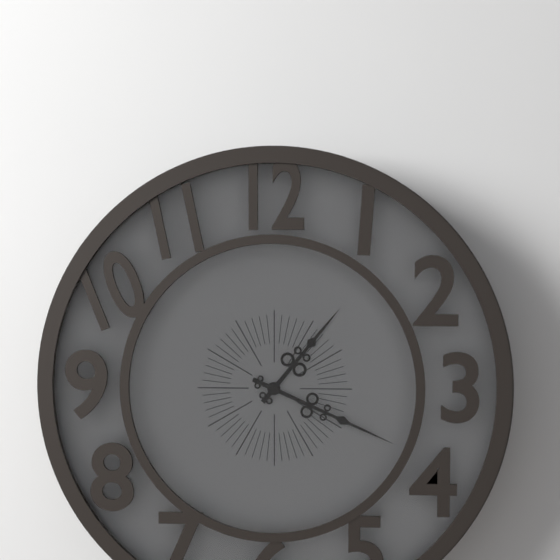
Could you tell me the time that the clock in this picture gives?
1:19
